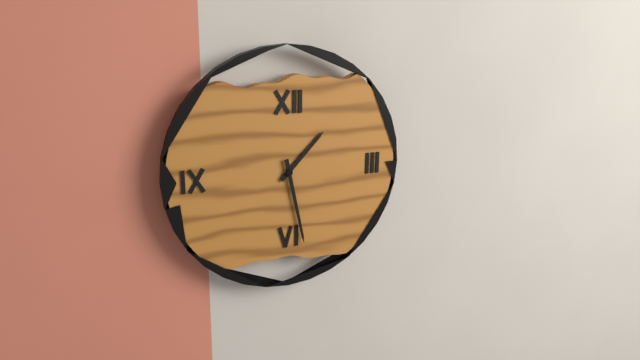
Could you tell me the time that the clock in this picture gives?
1:28
